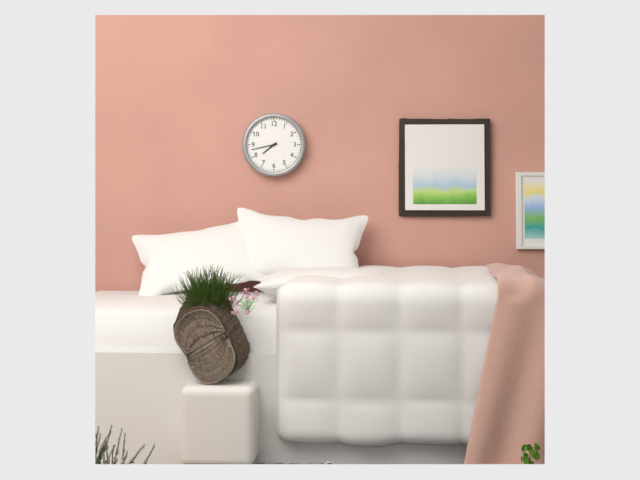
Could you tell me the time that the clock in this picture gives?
7:43
